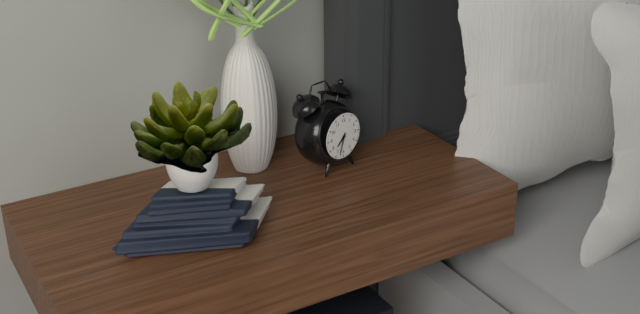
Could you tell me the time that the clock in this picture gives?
7:33
